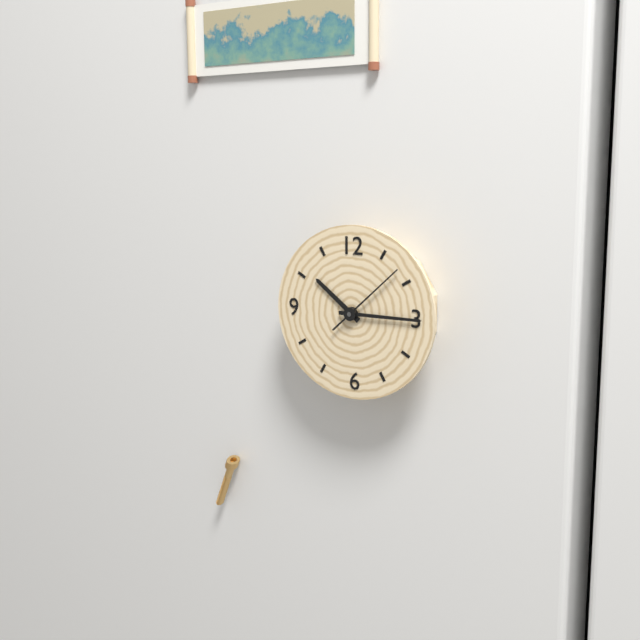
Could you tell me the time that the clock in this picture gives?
10:15:08
